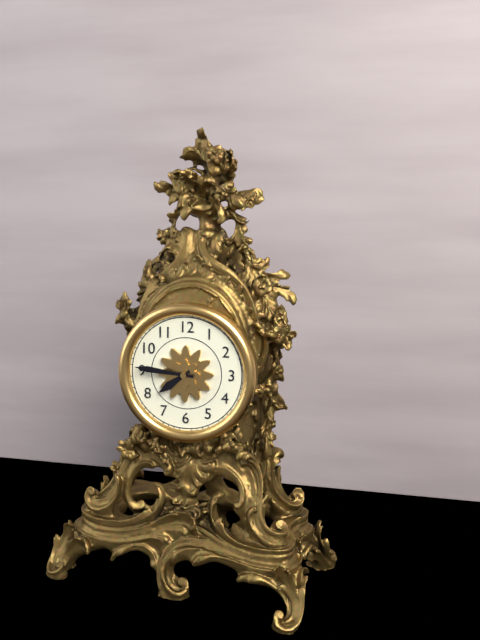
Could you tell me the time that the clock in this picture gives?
7:46
